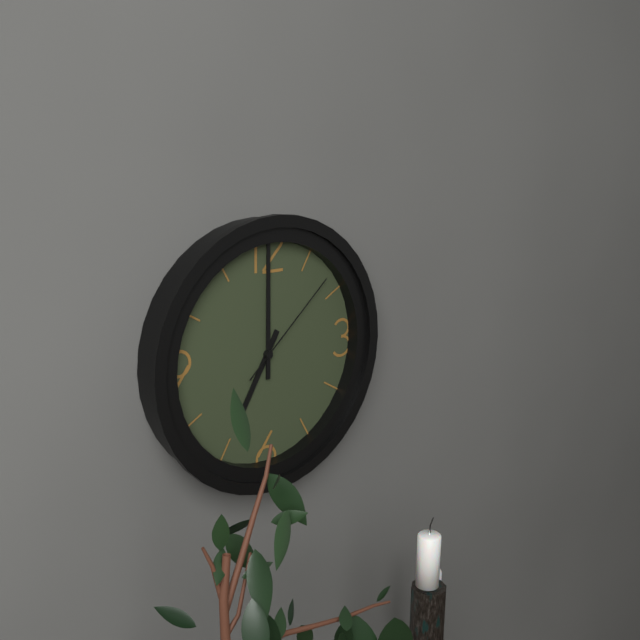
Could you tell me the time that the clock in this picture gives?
7:00:08
